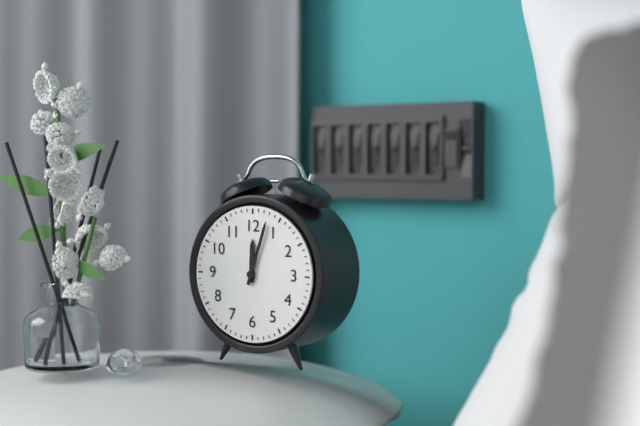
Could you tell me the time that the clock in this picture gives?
12:03
